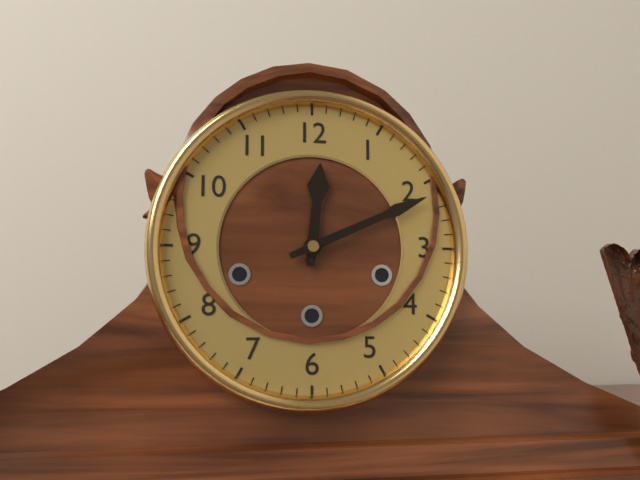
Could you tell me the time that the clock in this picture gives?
12:11
